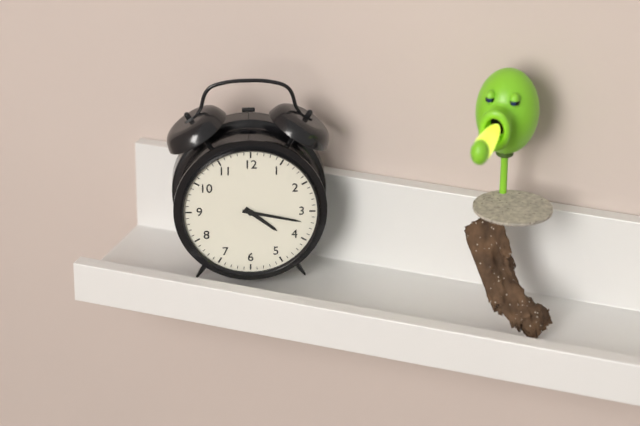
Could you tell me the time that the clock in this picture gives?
4:17
